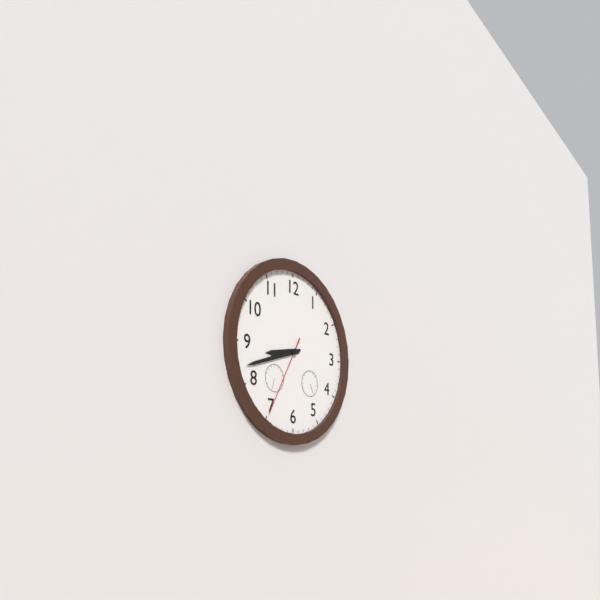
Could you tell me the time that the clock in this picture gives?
8:42:35
